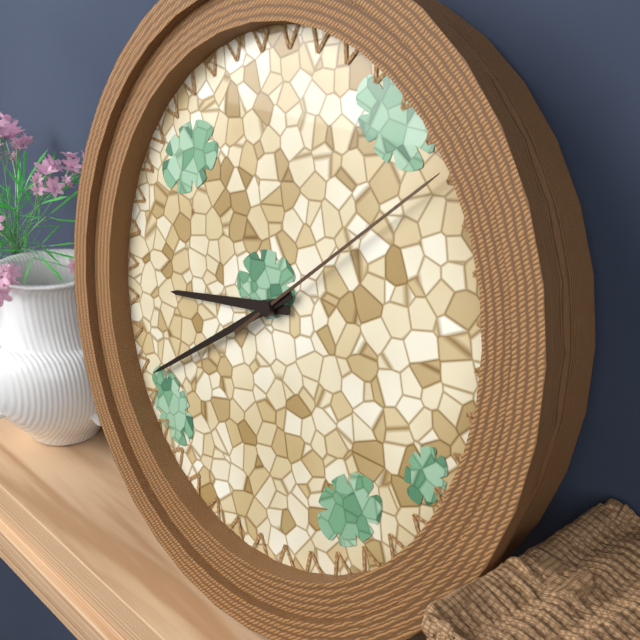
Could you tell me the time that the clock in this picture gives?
8:39:08
